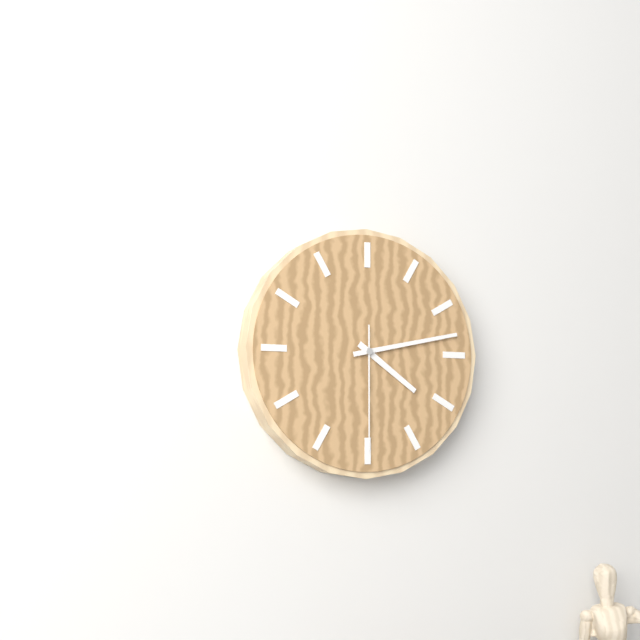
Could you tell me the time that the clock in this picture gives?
4:13:30
